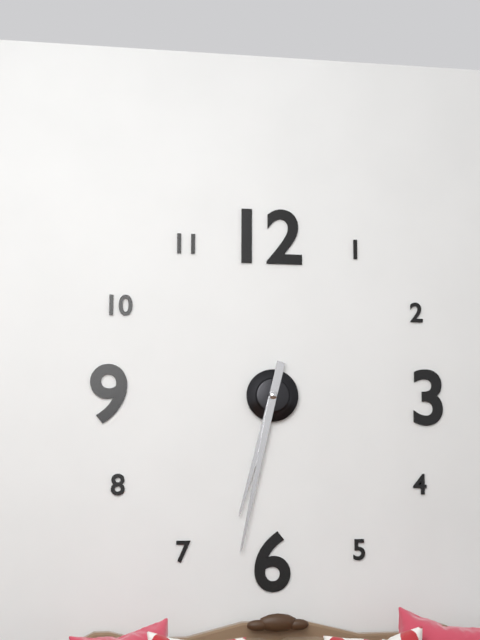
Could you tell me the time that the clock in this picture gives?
6:32
